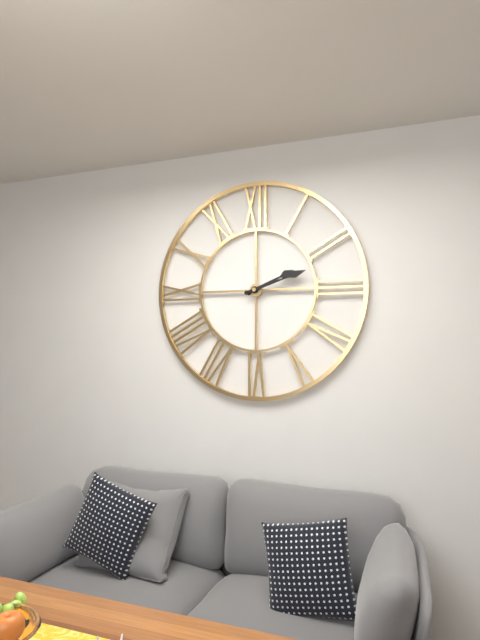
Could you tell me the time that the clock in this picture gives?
2:12
